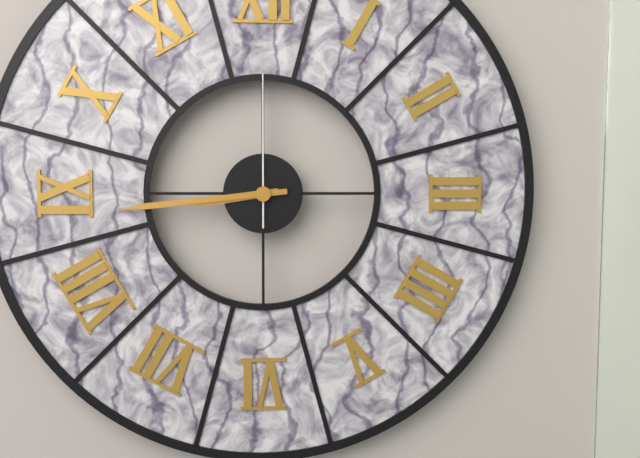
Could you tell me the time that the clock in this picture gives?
8:44:00
